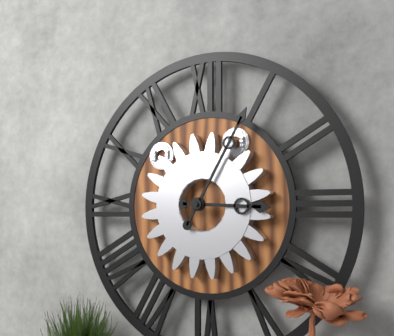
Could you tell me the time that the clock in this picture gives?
3:05
